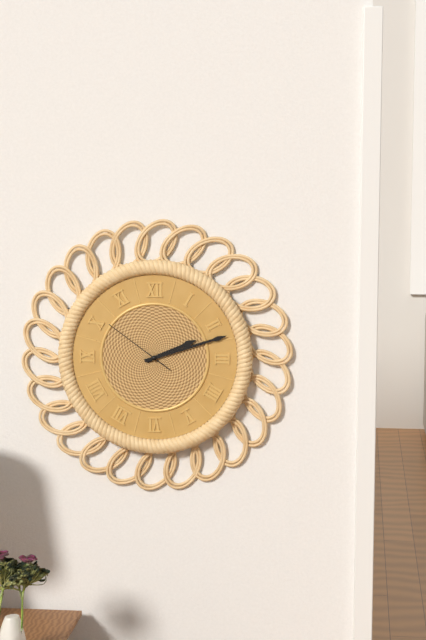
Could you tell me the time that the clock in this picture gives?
2:12:51
